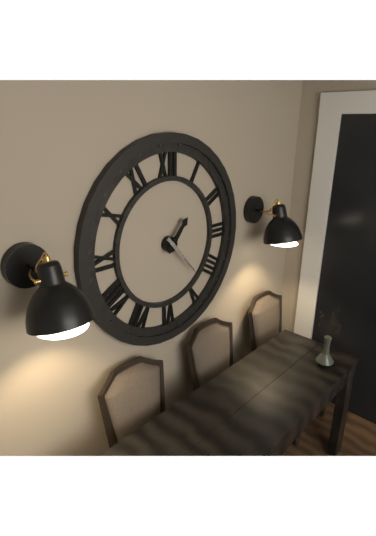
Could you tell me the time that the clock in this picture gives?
1:23
